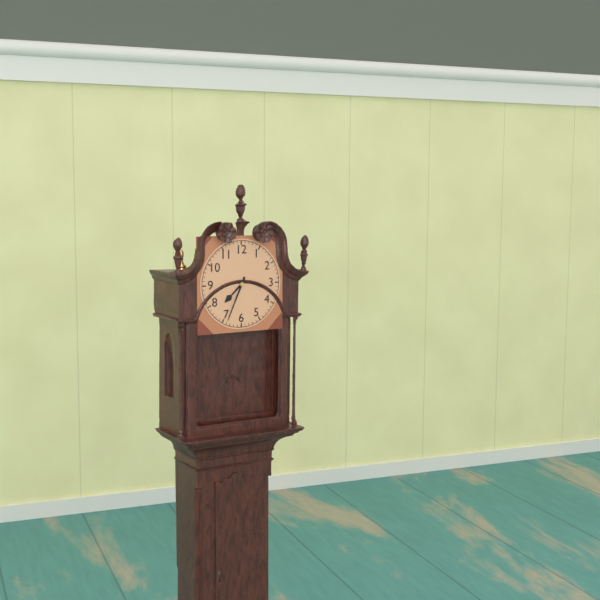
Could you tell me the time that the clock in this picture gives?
7:34
